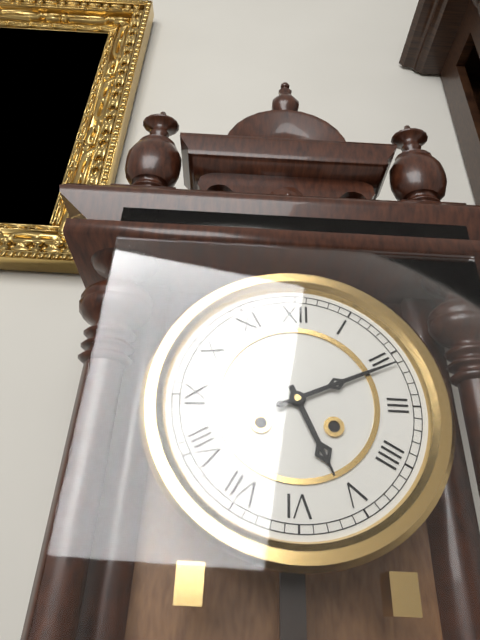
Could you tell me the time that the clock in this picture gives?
5:11
